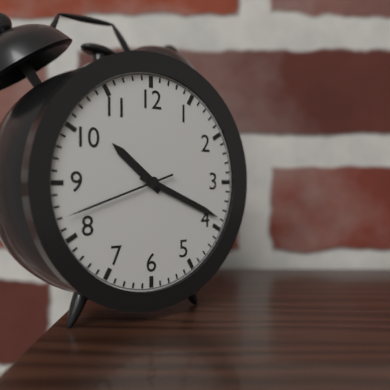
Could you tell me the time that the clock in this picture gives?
10:19:42
